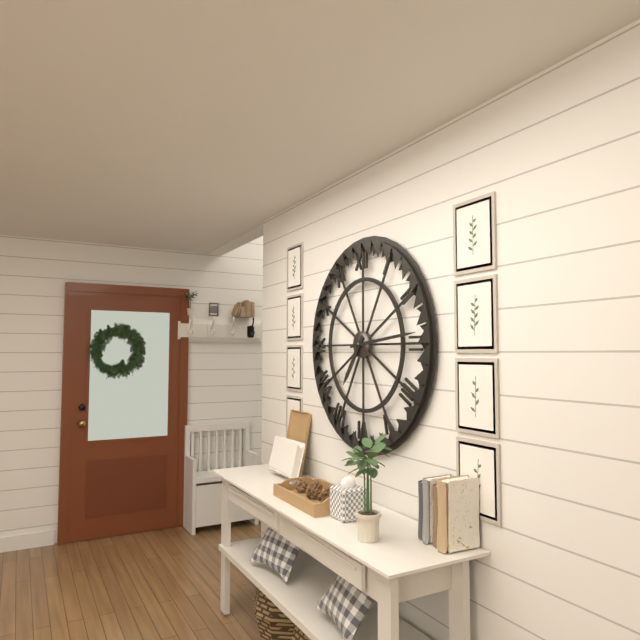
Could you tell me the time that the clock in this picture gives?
7:14
